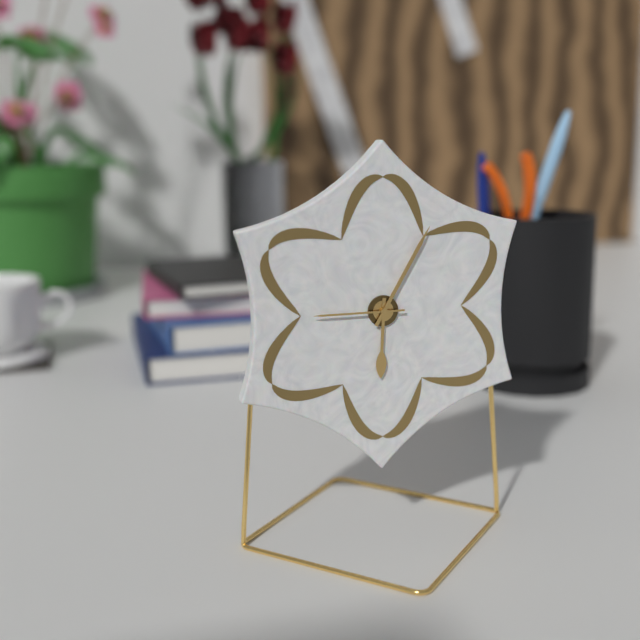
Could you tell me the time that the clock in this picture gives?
6:05:45
